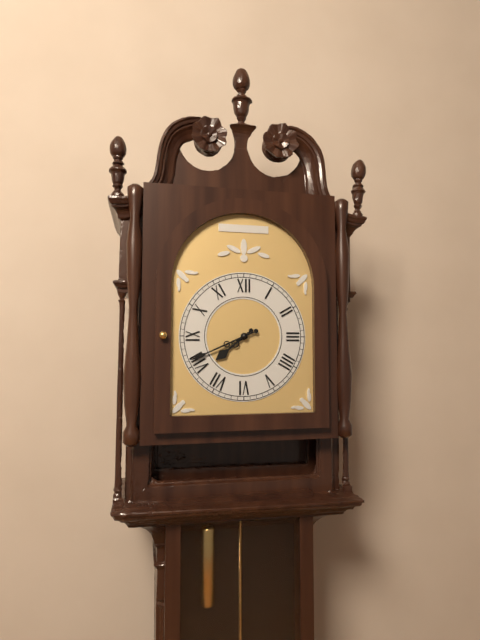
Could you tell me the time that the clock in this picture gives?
7:41
